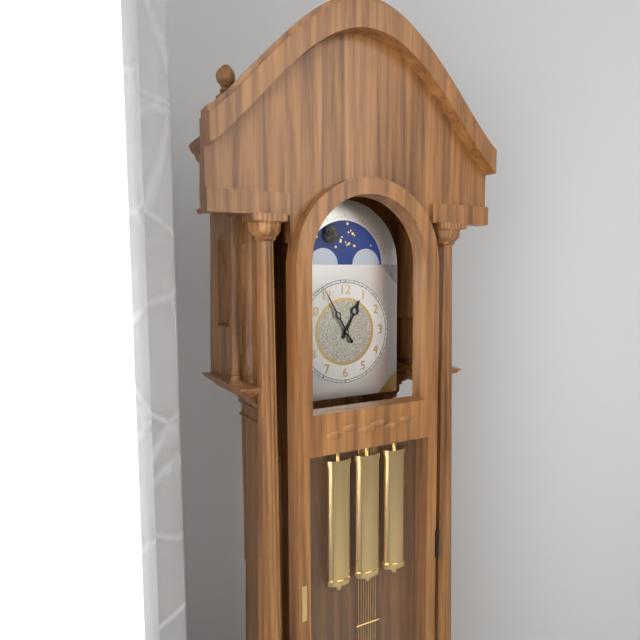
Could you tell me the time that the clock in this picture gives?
12:55
